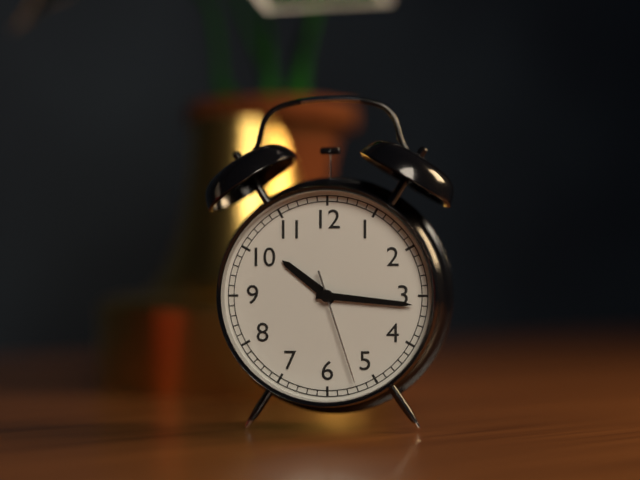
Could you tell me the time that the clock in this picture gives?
10:16:27
